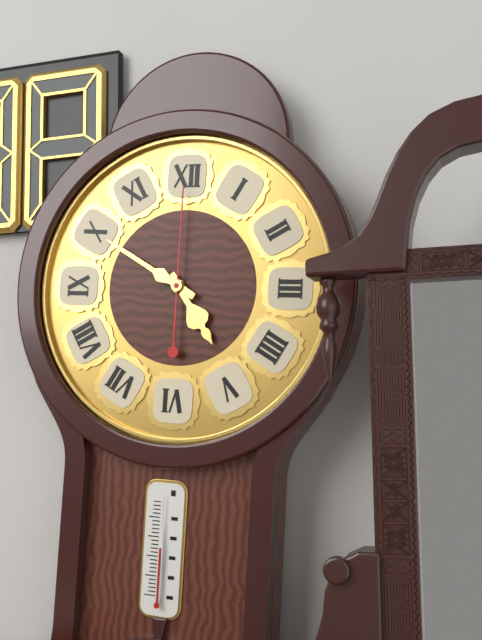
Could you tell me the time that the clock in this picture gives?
4:50:00
